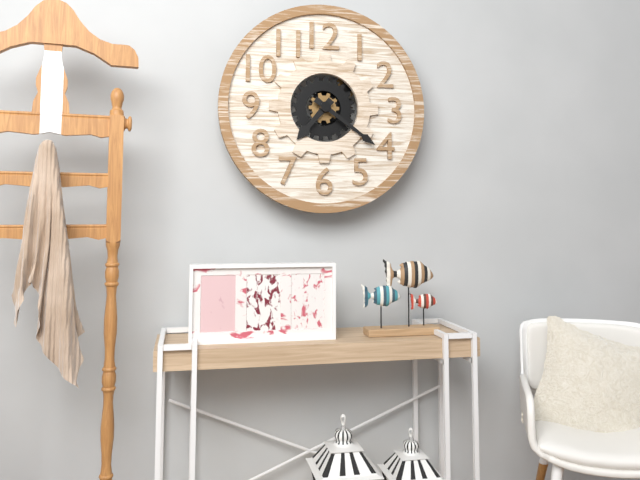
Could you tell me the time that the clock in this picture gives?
7:21
